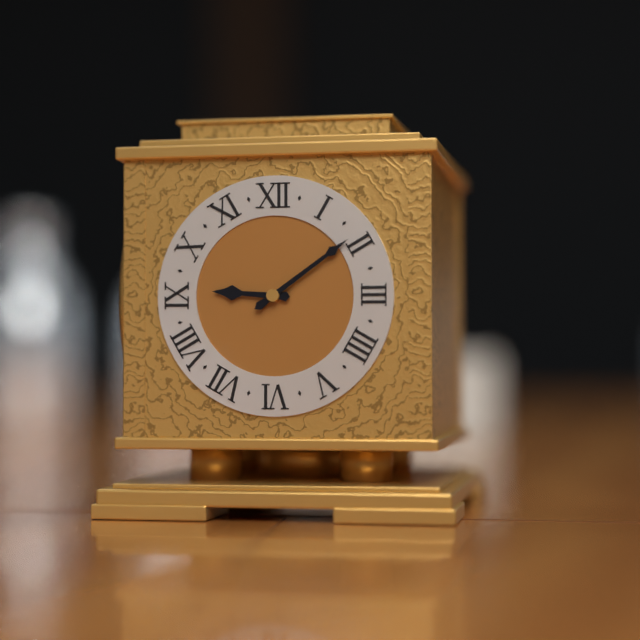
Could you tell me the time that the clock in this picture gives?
9:09
